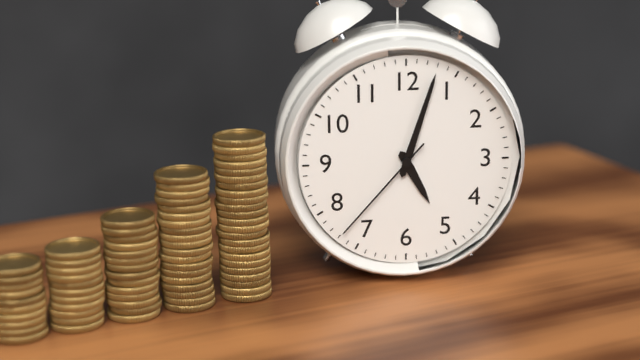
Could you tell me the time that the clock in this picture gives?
5:03:37
